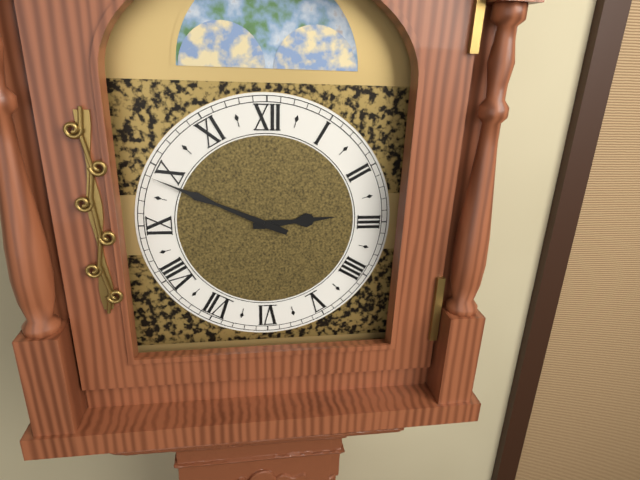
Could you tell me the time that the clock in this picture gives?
2:49
